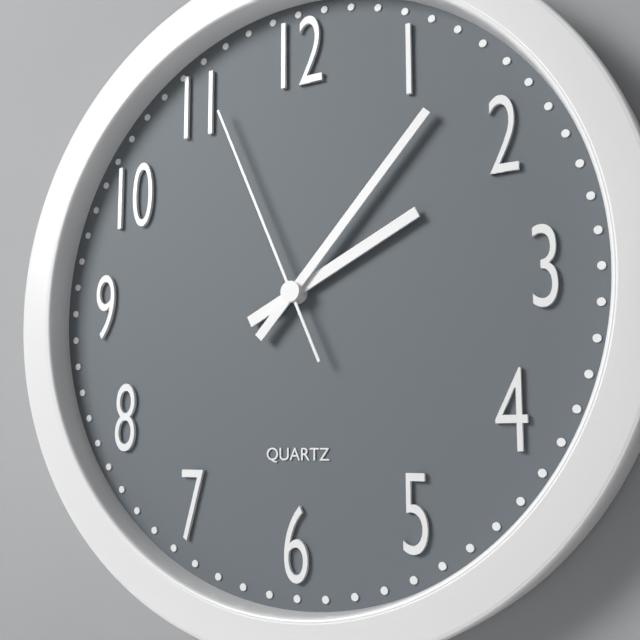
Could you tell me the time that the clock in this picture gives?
2:07:56
